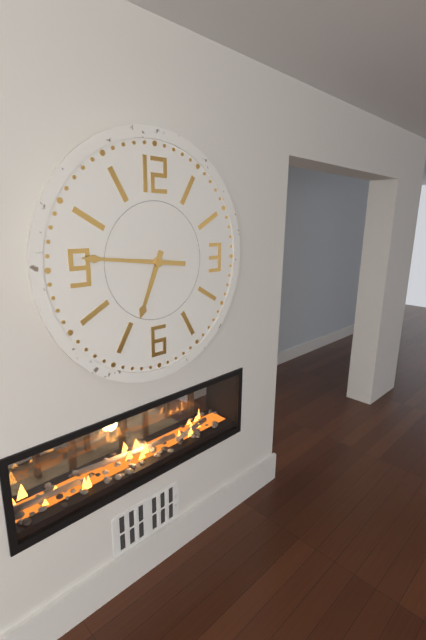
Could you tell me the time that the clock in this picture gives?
6:46
